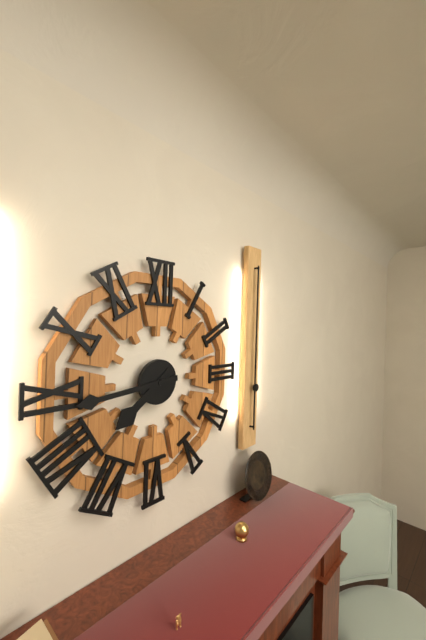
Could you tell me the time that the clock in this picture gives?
7:44
